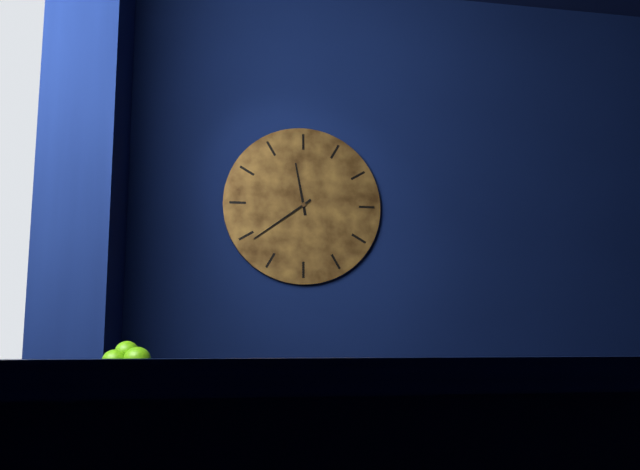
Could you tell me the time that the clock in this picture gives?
11:39
